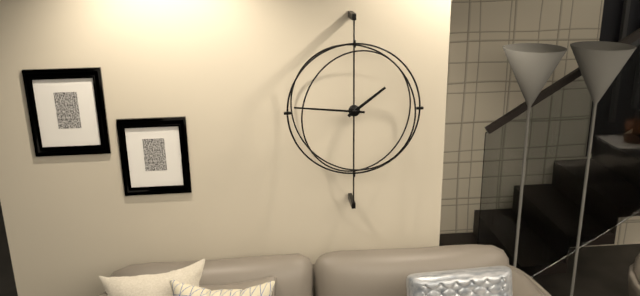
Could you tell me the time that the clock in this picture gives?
1:46
